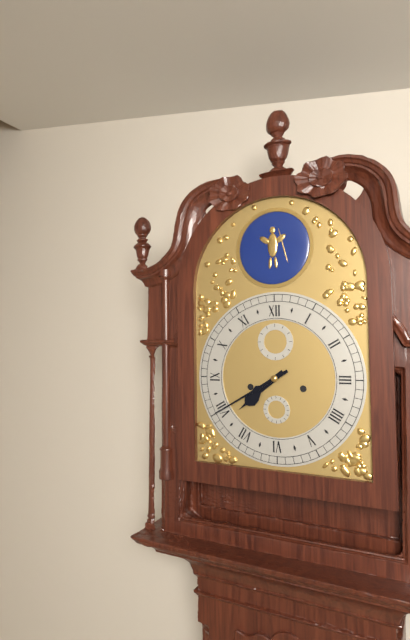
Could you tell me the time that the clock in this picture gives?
7:40
